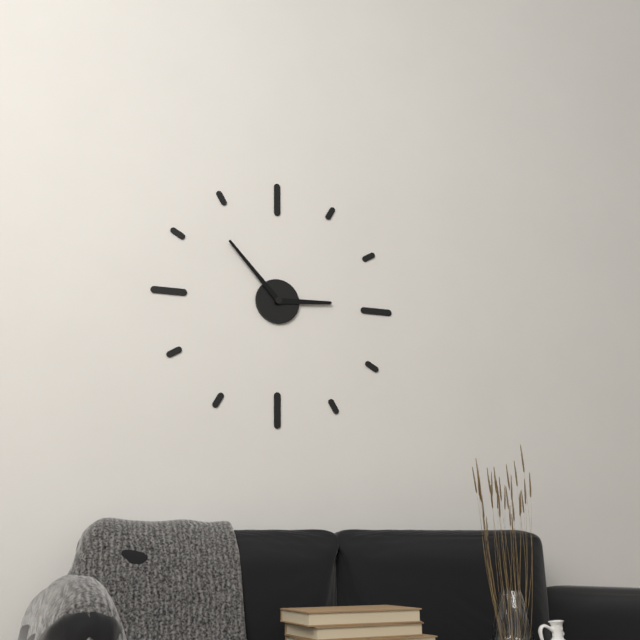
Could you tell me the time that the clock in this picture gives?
2:53
